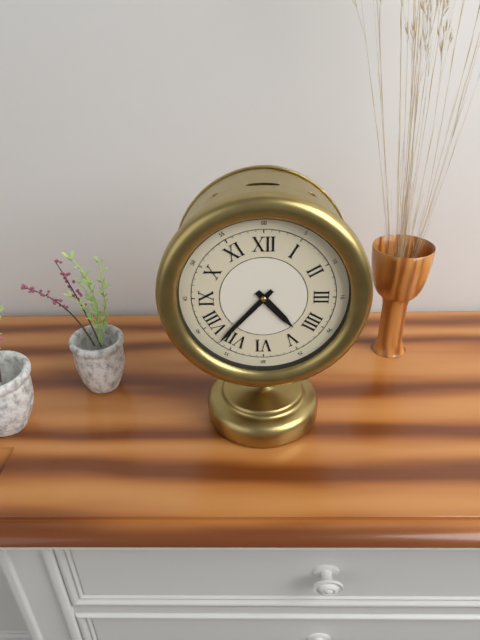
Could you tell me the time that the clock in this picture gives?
4:37
